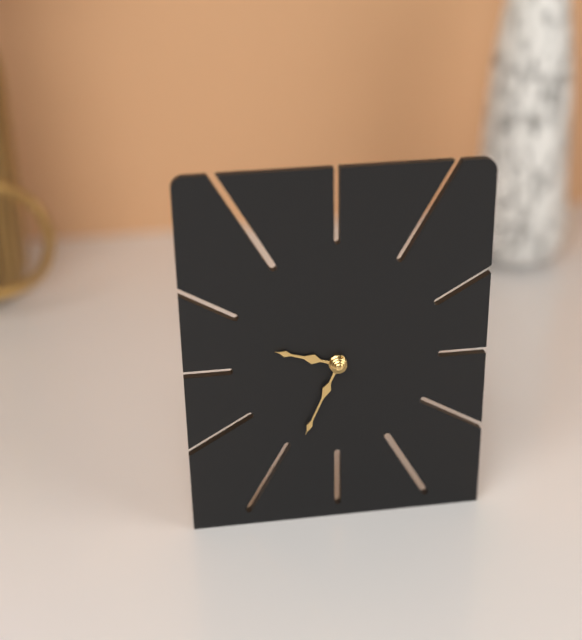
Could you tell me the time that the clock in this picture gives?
9:34
